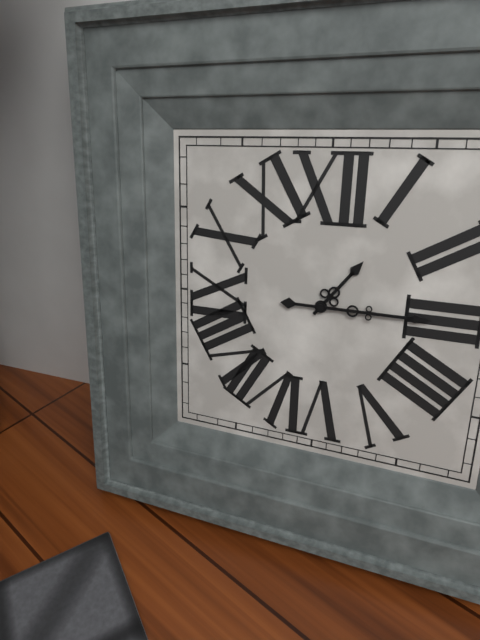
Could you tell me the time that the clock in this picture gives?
1:15
